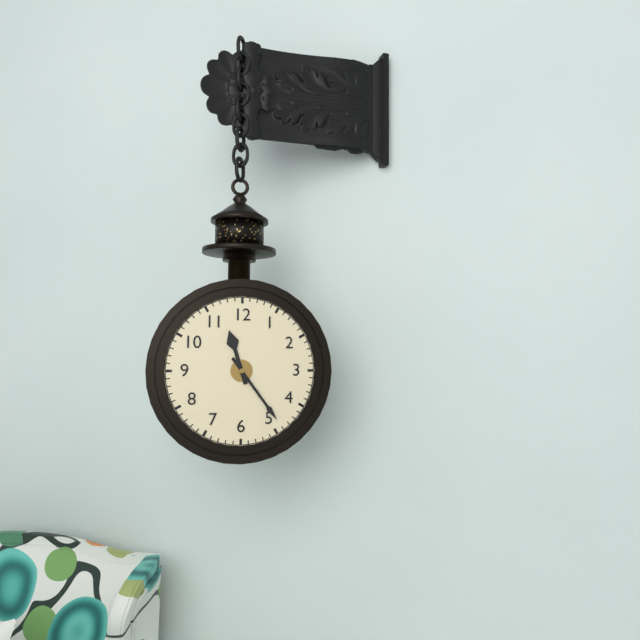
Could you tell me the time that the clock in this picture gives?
11:24
